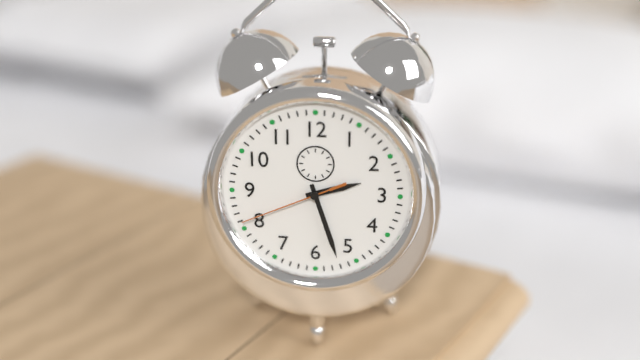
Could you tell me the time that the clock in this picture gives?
2:27:41
